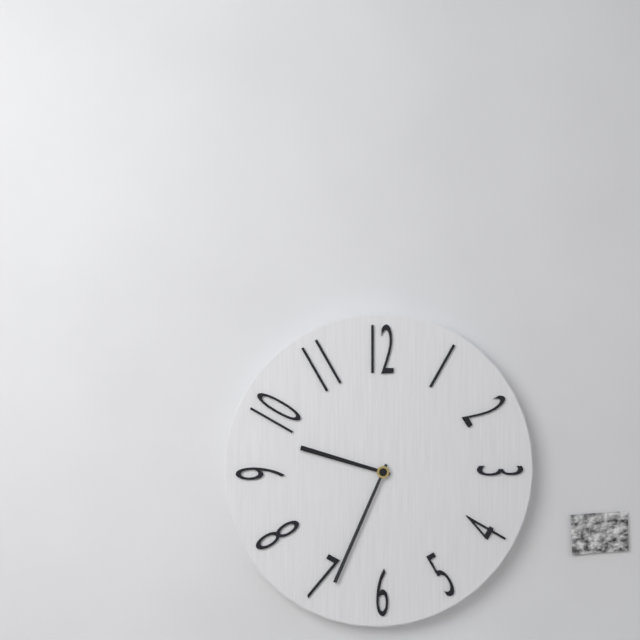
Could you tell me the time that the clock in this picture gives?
9:34
